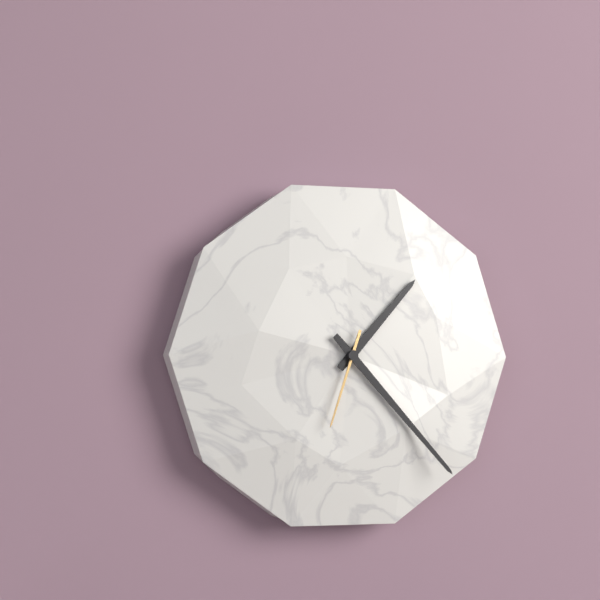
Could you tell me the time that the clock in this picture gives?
1:23:33
